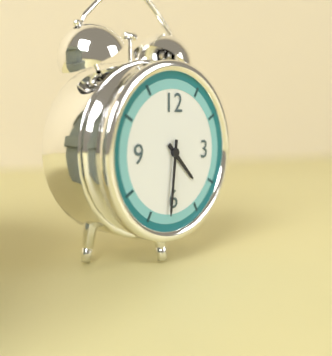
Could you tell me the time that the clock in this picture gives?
4:31
